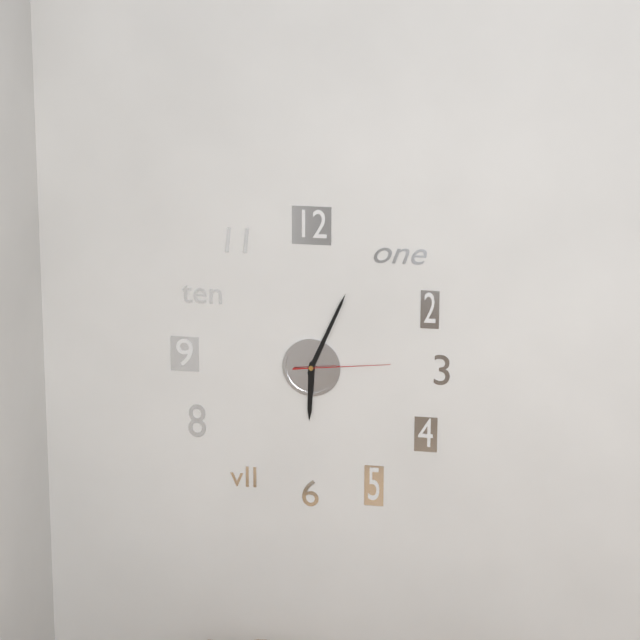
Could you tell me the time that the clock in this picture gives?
6:04:14
